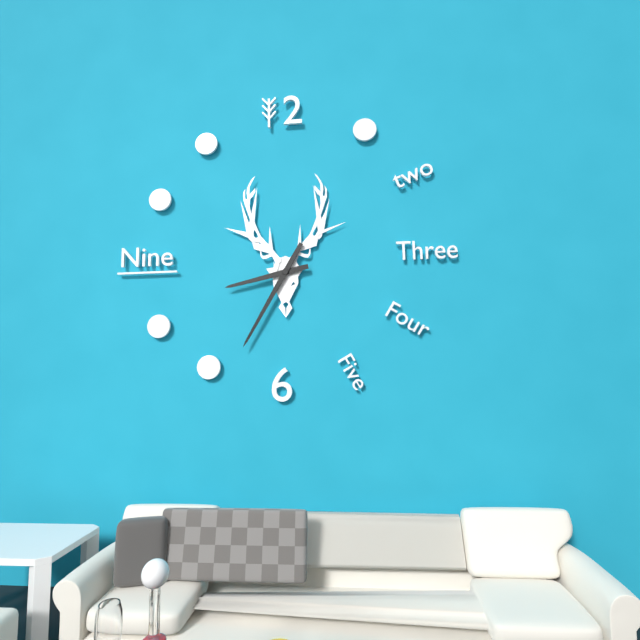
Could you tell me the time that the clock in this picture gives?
8:35
